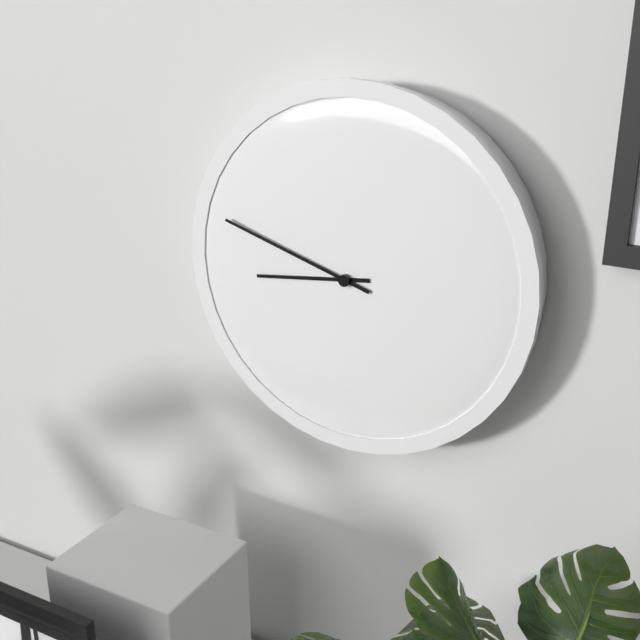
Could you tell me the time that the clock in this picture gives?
8:48
